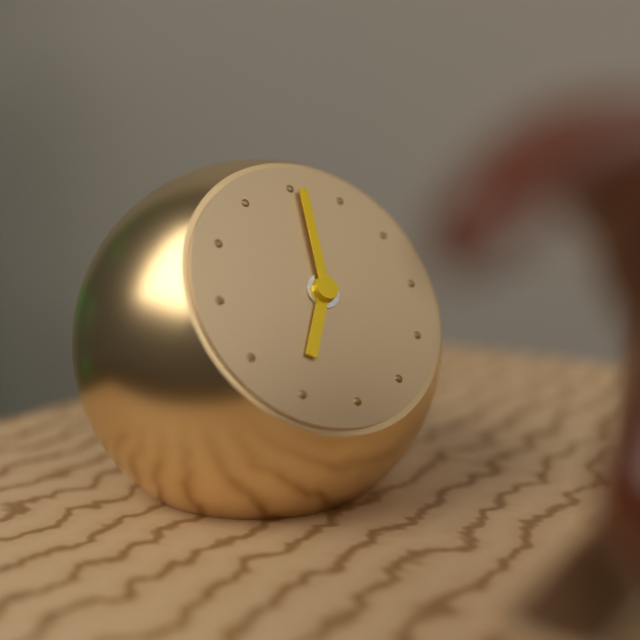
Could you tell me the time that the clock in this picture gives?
7:01
